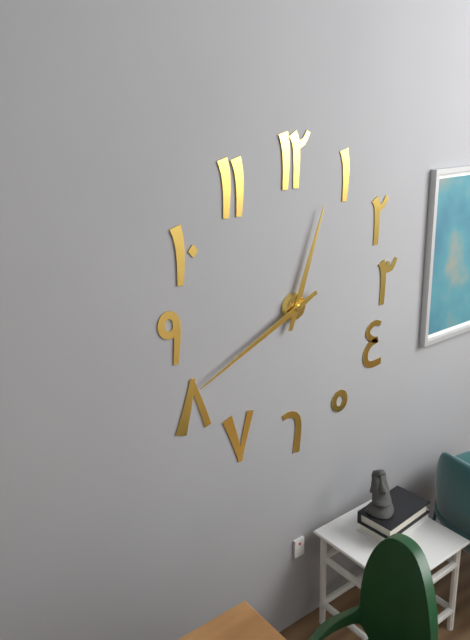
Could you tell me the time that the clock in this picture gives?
12:41
